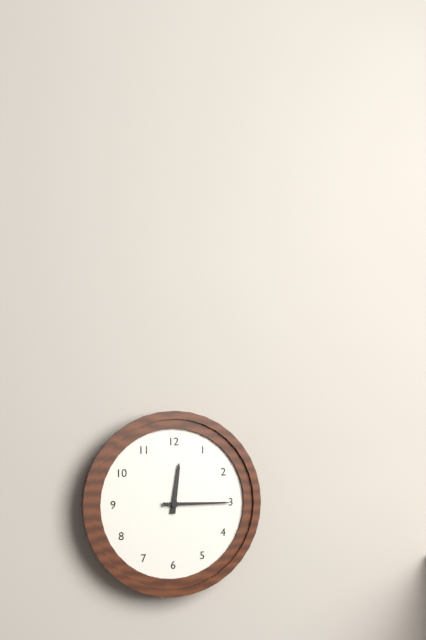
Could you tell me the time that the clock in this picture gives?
12:15
